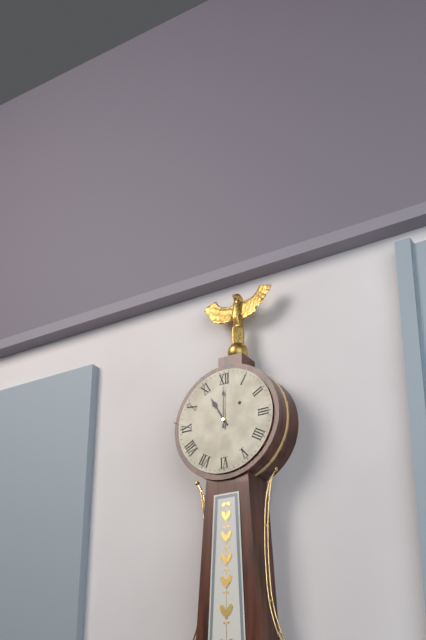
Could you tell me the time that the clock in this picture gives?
11:00
